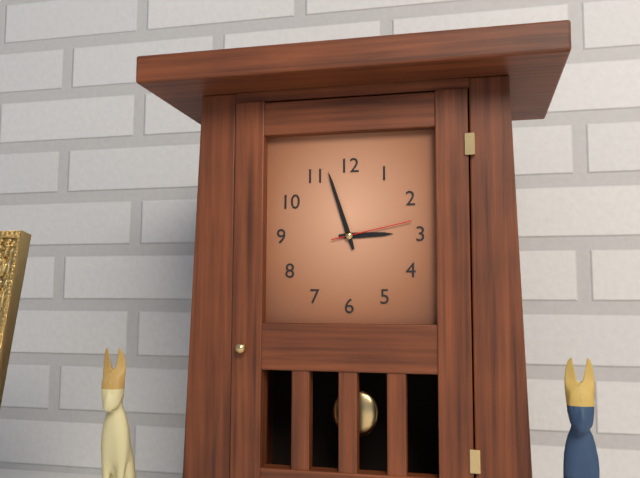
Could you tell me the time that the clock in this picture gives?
2:57:13
